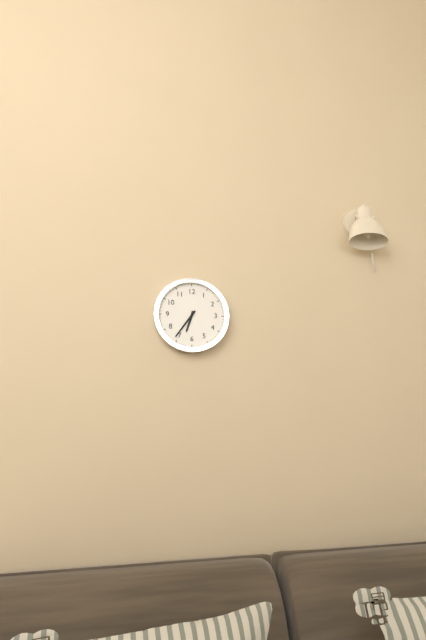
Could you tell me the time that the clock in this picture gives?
6:36
